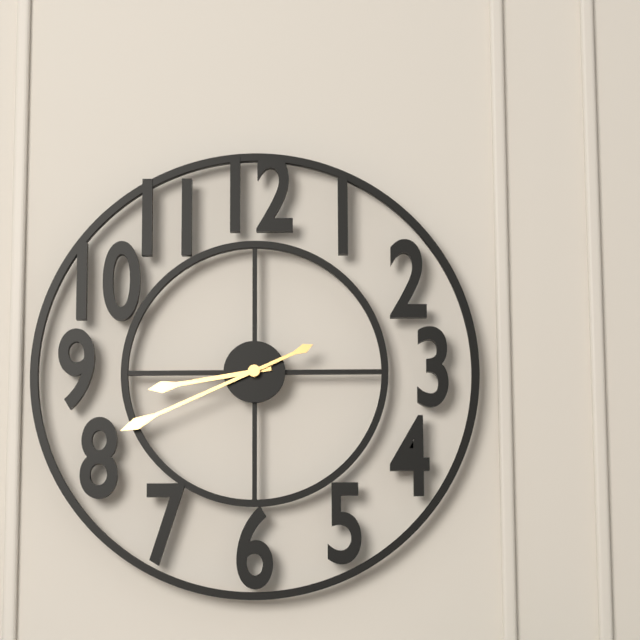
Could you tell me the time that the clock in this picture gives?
8:41
